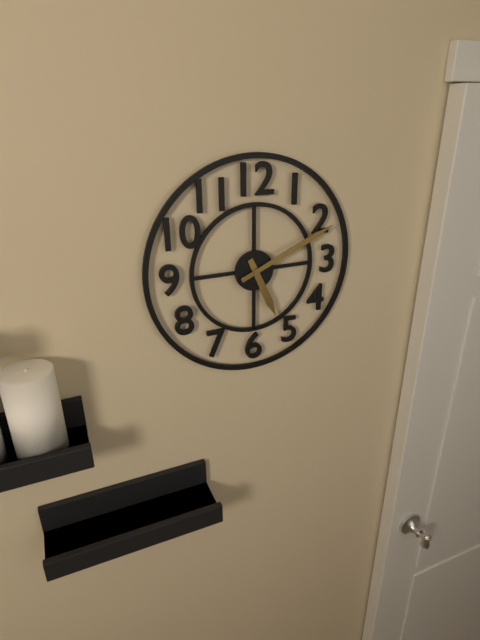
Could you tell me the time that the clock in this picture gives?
5:11
